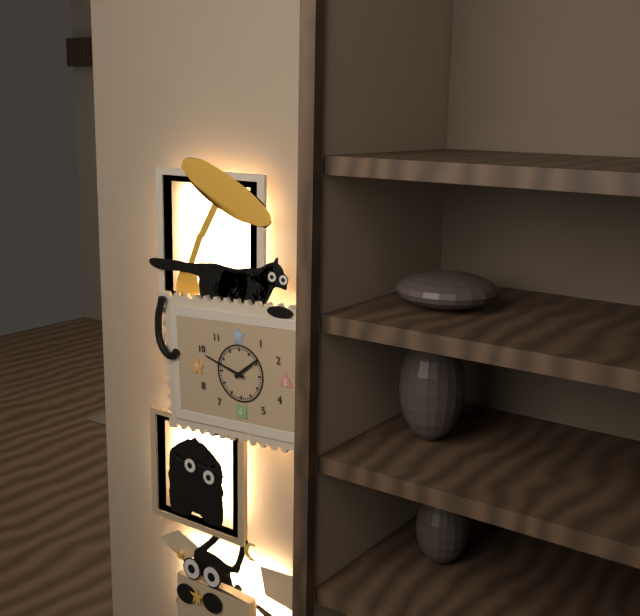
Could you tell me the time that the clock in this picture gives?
1:48
